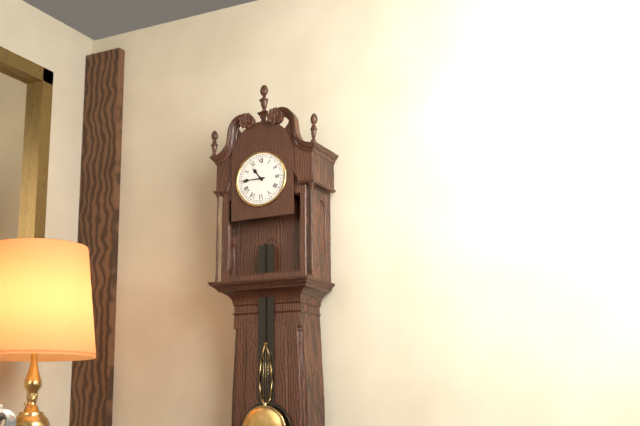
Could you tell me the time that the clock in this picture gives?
10:45
